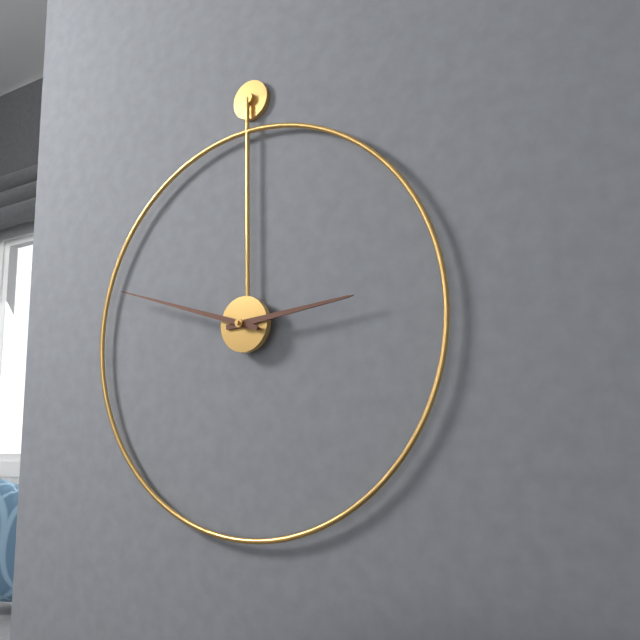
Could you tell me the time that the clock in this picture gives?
2:48
